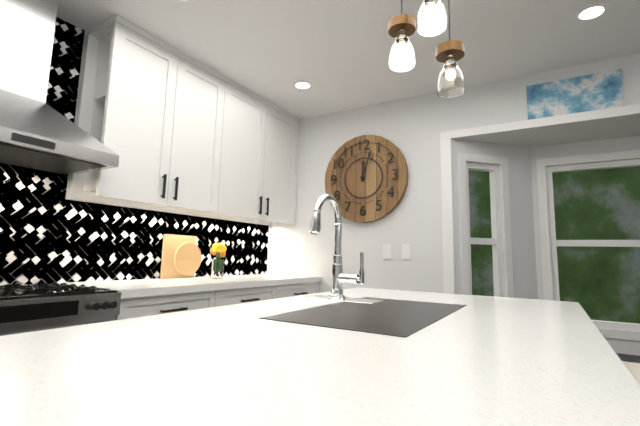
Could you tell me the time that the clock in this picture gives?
12:03
